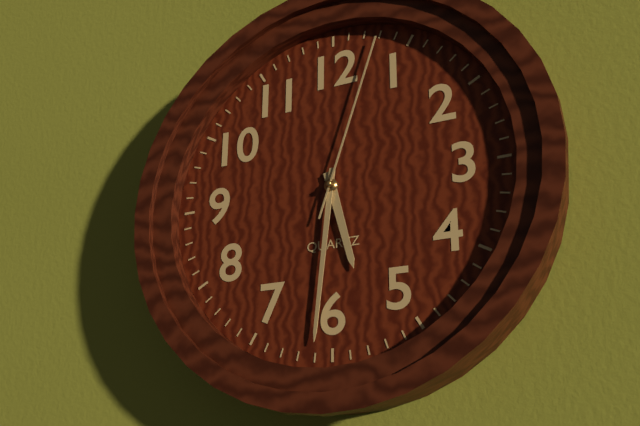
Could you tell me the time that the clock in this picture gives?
5:31:03
